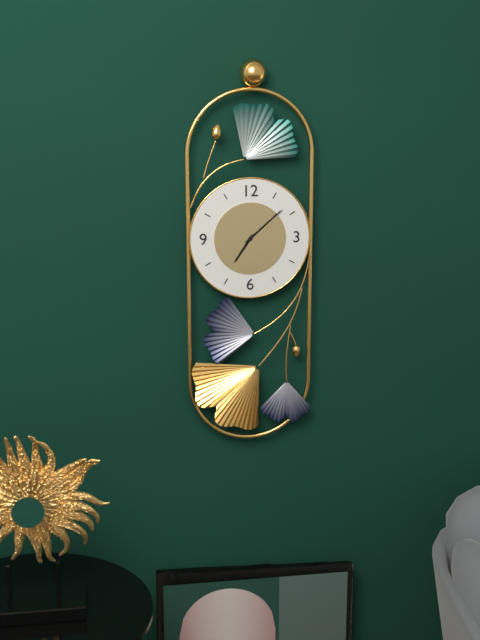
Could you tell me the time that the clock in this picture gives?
7:08
